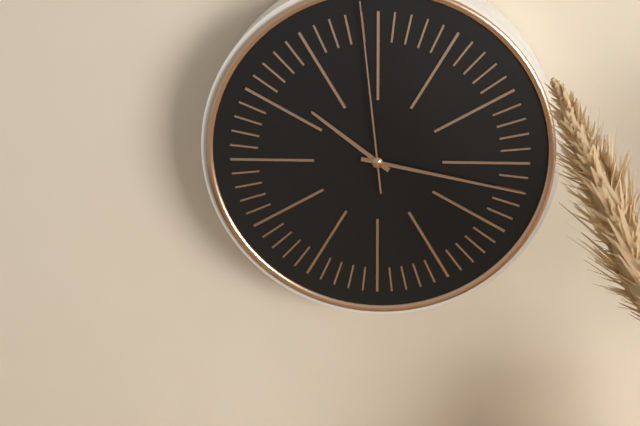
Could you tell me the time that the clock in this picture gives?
10:17:59
